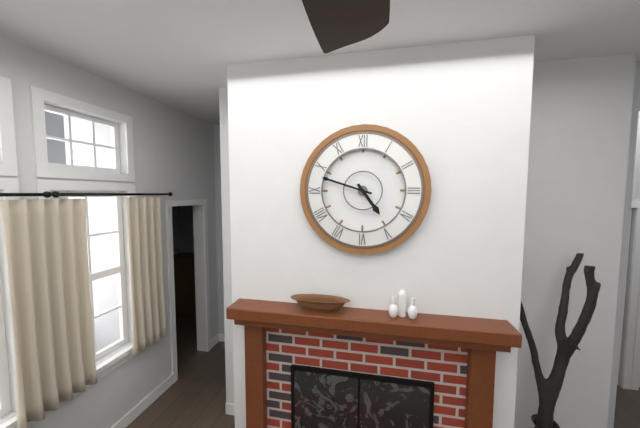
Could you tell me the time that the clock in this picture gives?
4:48
